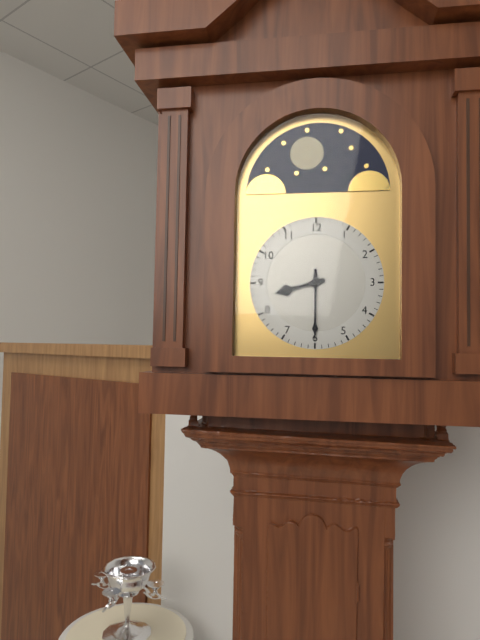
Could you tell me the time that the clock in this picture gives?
8:30
